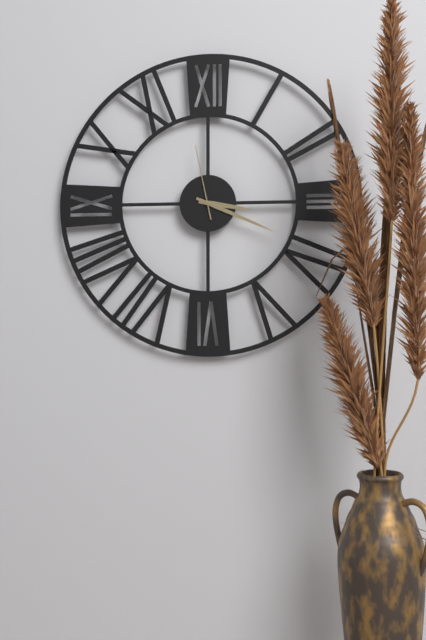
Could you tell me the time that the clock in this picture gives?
3:19:58
